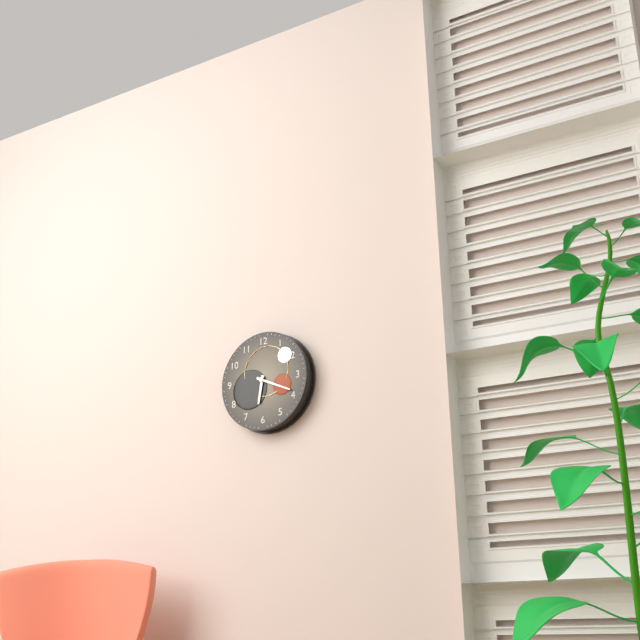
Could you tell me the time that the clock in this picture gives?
6:19
